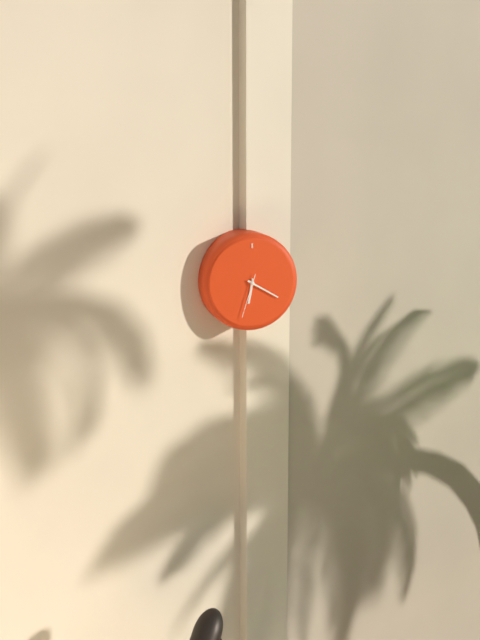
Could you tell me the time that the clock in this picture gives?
6:20
